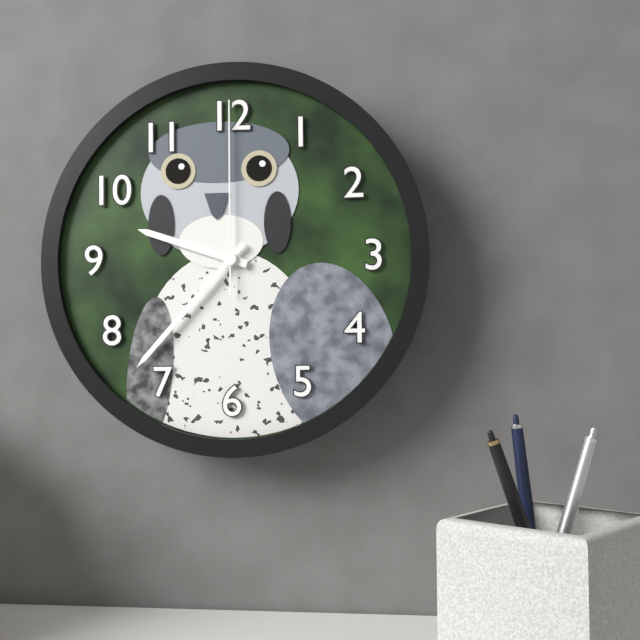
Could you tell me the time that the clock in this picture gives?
9:37:00
